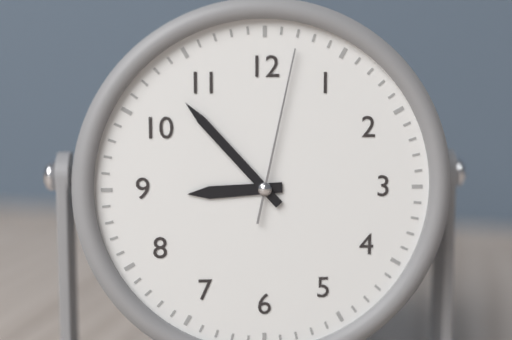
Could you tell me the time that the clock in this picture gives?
8:53:02
